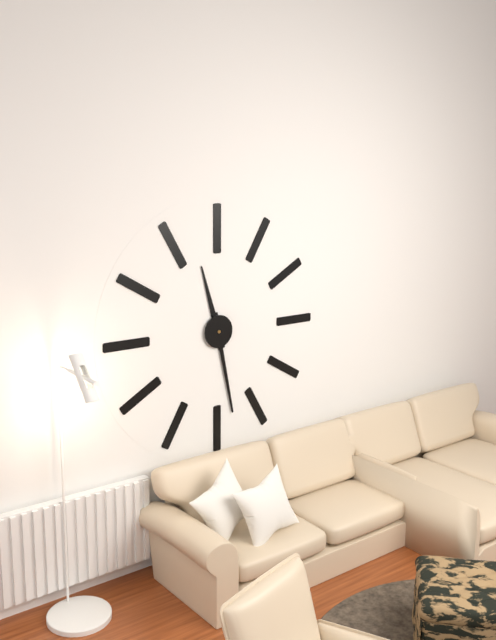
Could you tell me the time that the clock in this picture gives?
11:28
